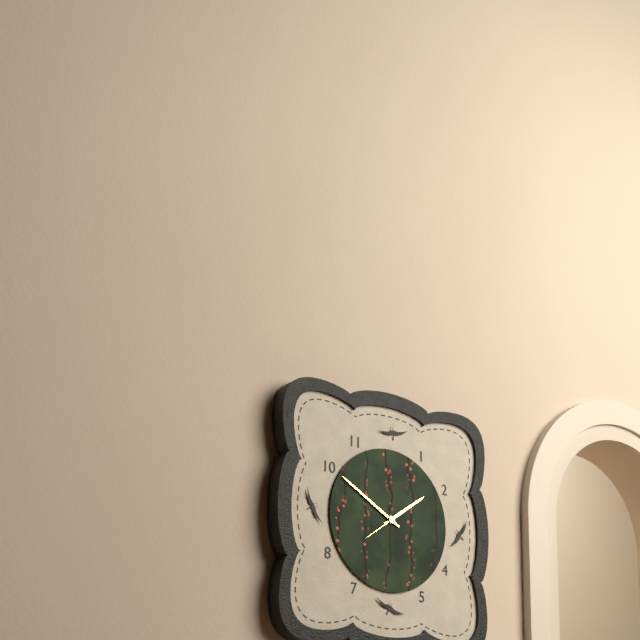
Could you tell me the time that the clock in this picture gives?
1:50
